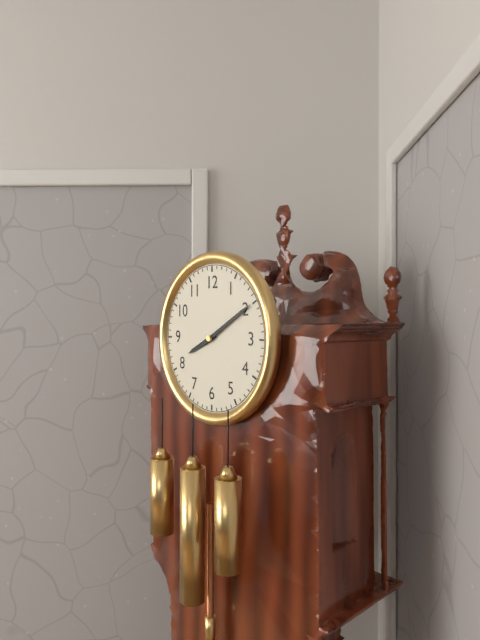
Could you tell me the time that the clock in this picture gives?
8:10
